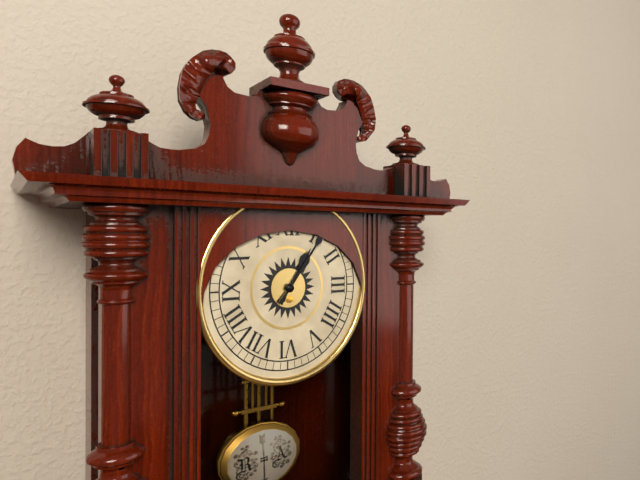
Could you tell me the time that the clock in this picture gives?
1:06
